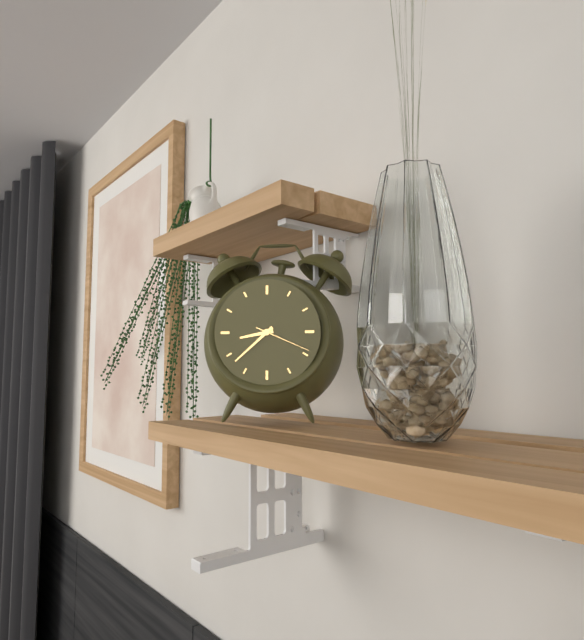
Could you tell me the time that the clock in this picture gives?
8:38:19
